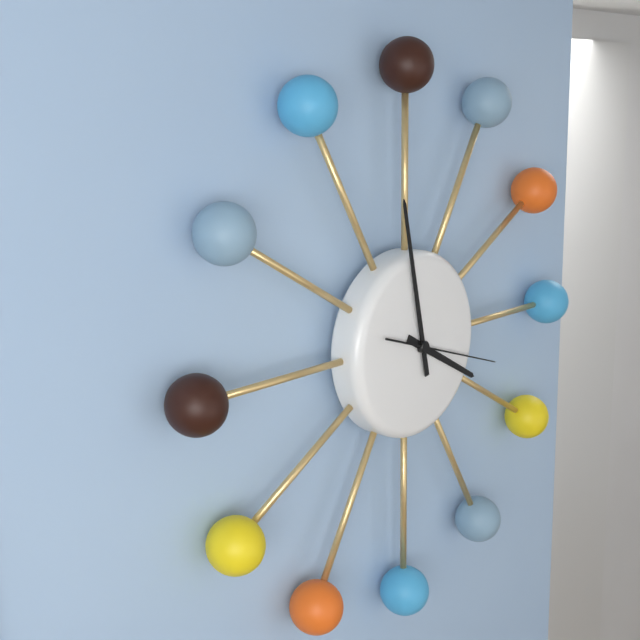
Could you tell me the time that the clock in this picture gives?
3:58:18
